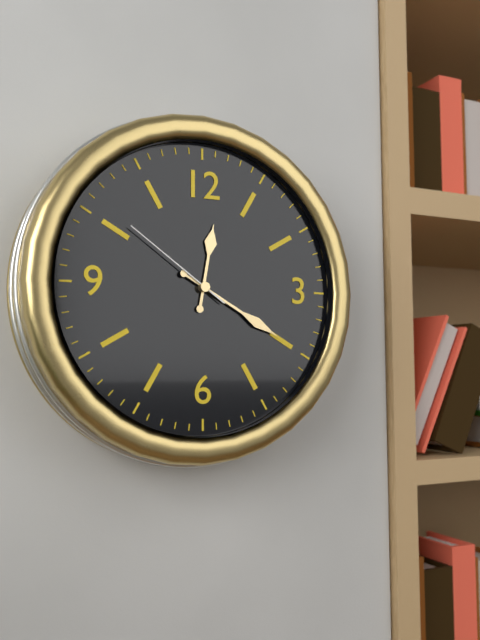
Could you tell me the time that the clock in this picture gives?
12:20:51
